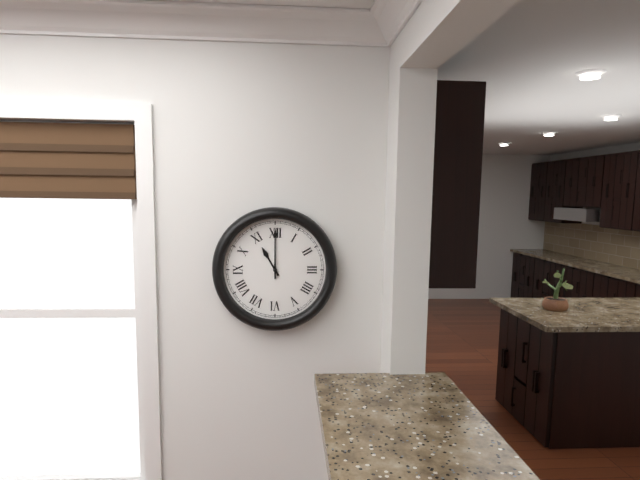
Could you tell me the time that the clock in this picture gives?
11:00
